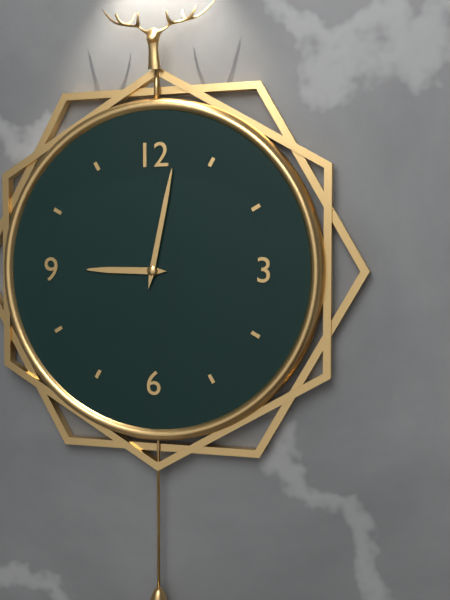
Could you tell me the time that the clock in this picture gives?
9:02
